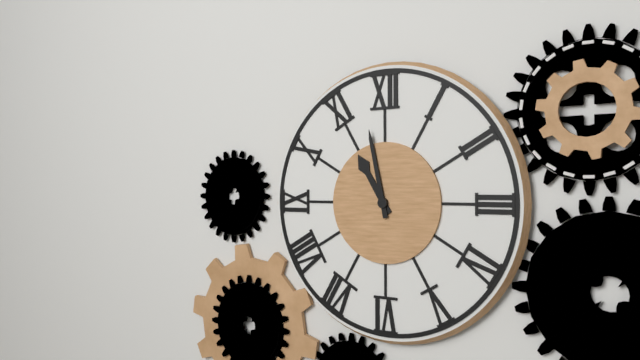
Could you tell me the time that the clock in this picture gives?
10:58
